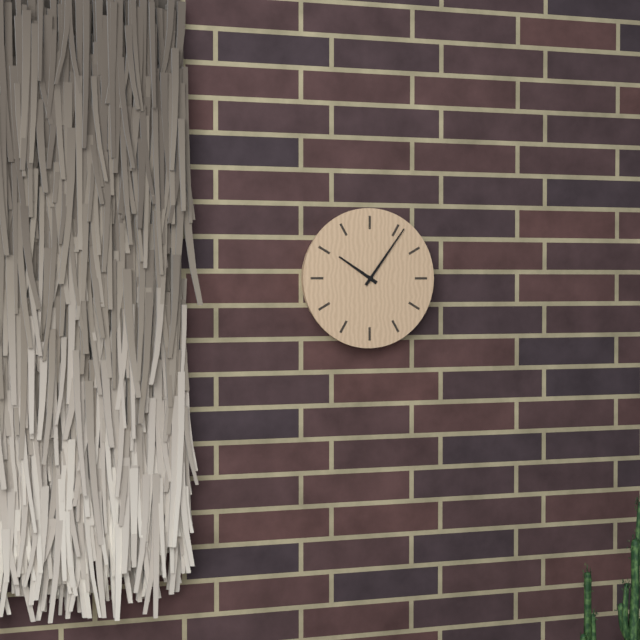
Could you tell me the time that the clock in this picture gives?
10:06
